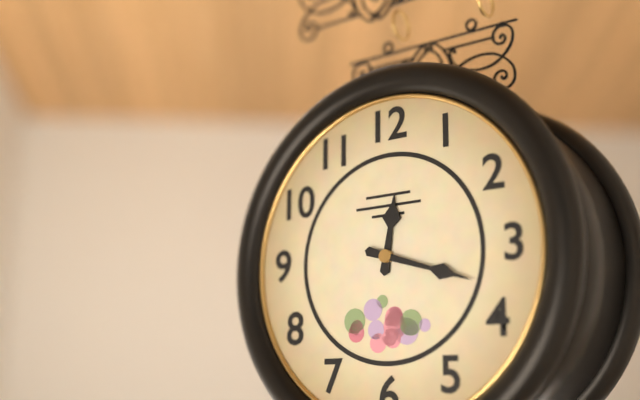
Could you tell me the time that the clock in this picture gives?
12:18
